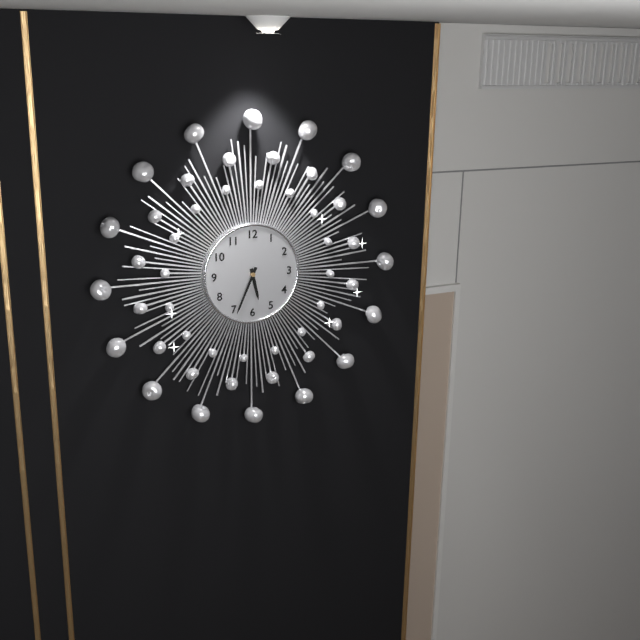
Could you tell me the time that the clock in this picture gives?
5:34
